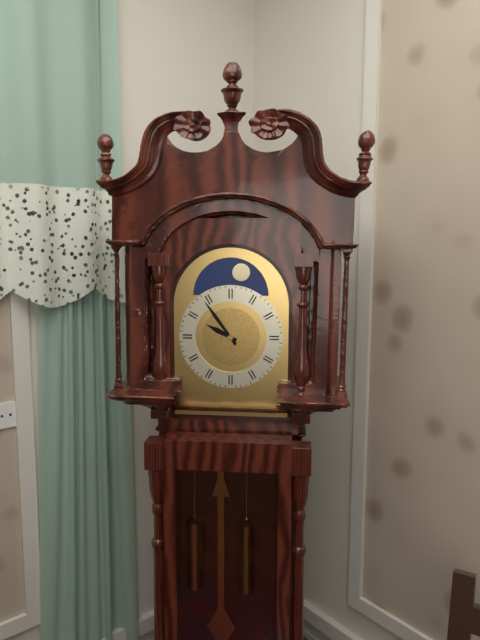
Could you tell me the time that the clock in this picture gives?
9:54
